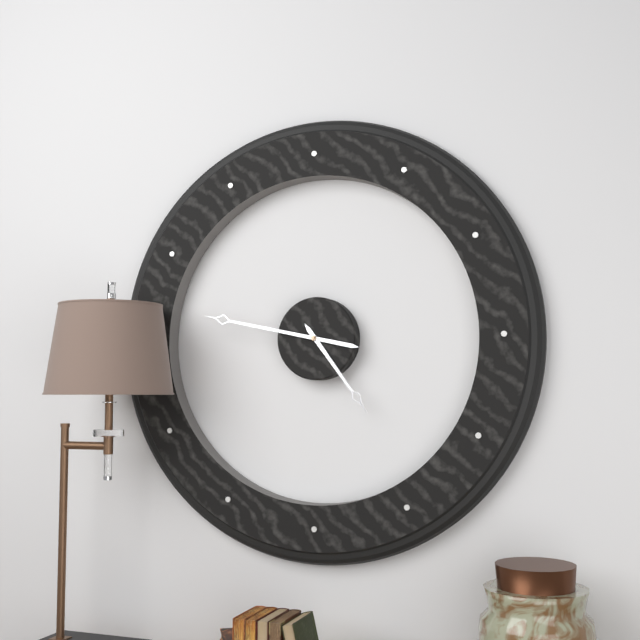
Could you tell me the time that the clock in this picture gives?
4:47
